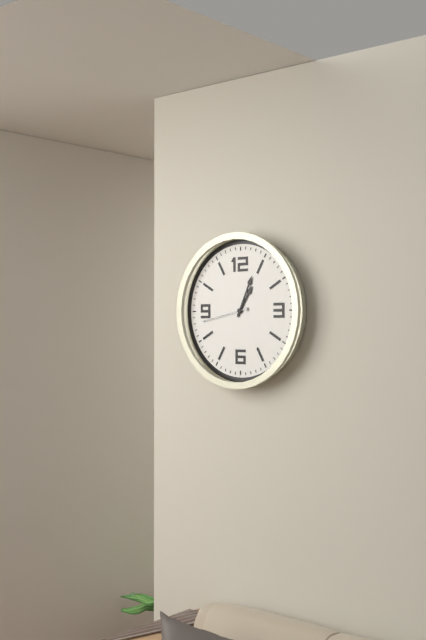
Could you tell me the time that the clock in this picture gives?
1:04:43
